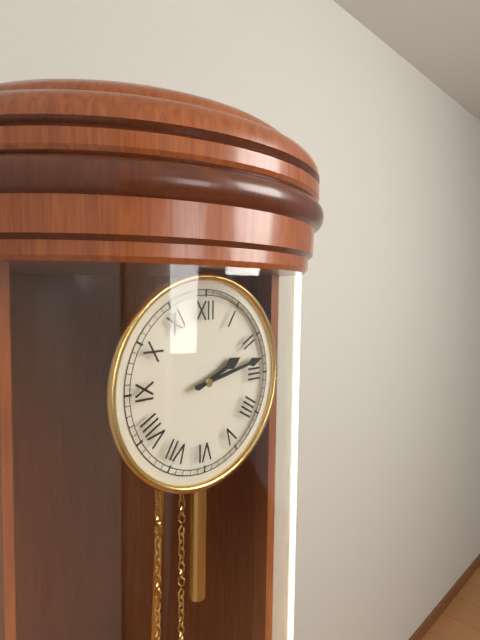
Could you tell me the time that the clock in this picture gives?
2:13
